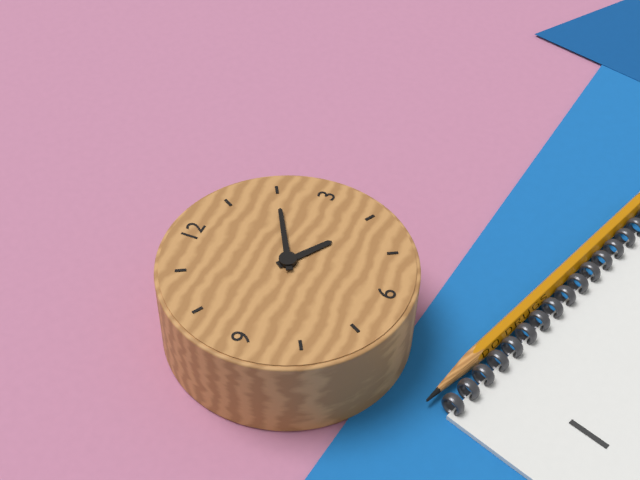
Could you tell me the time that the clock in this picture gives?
4:10
